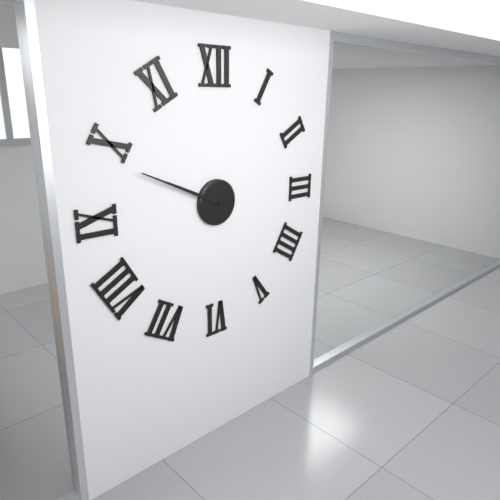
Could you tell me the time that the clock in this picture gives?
9:49
